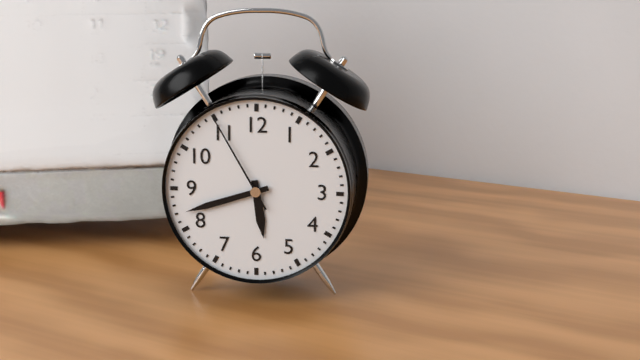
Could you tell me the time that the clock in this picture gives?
5:42:55
